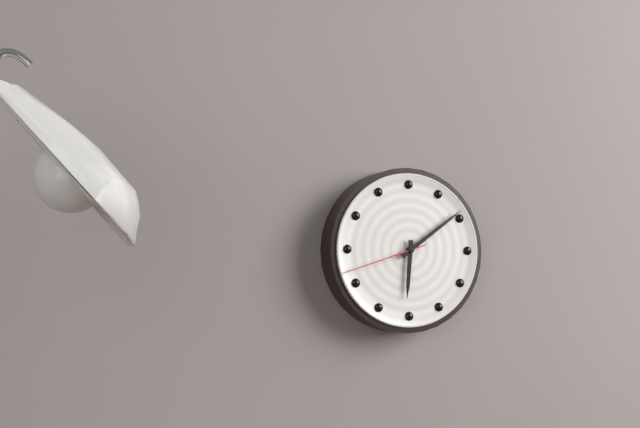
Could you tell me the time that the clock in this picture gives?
6:09:42
